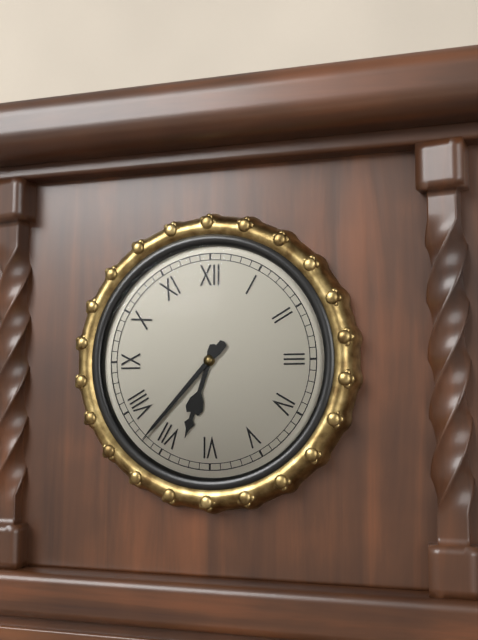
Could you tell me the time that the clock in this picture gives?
6:37
